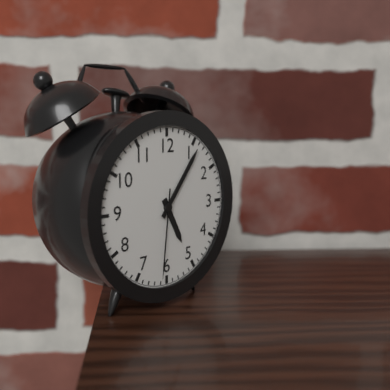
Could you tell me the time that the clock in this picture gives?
5:06:31
